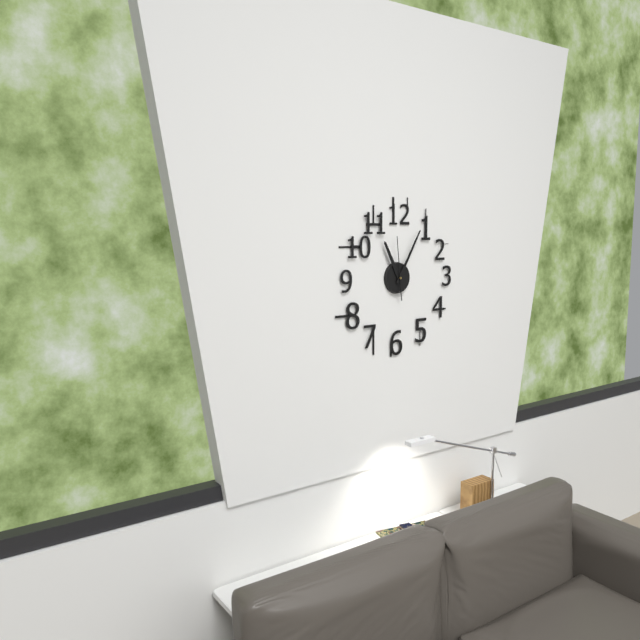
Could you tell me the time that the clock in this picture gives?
11:05:59
